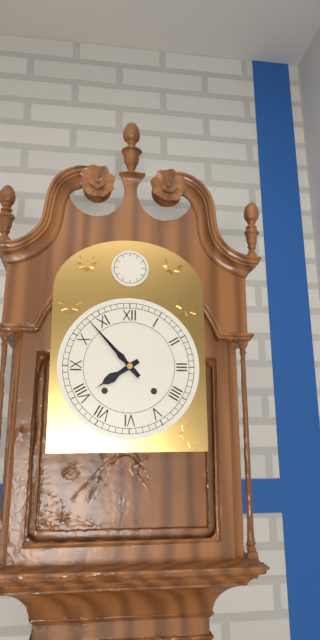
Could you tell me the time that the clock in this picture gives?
7:53
